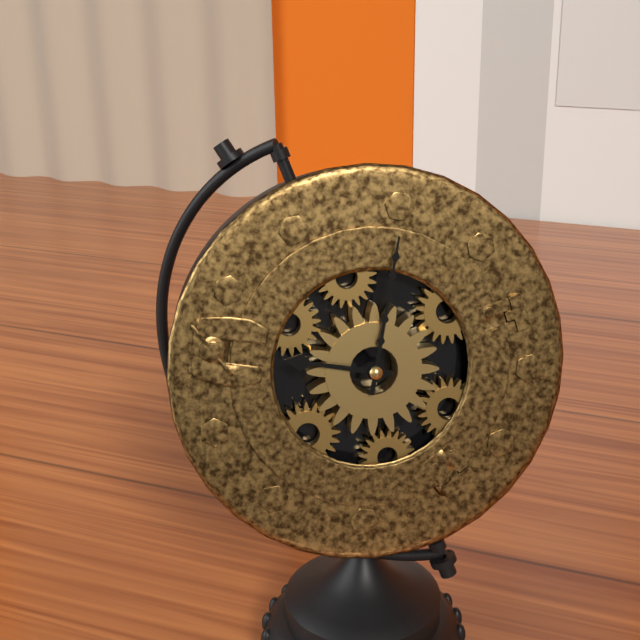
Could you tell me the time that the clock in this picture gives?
9:00
